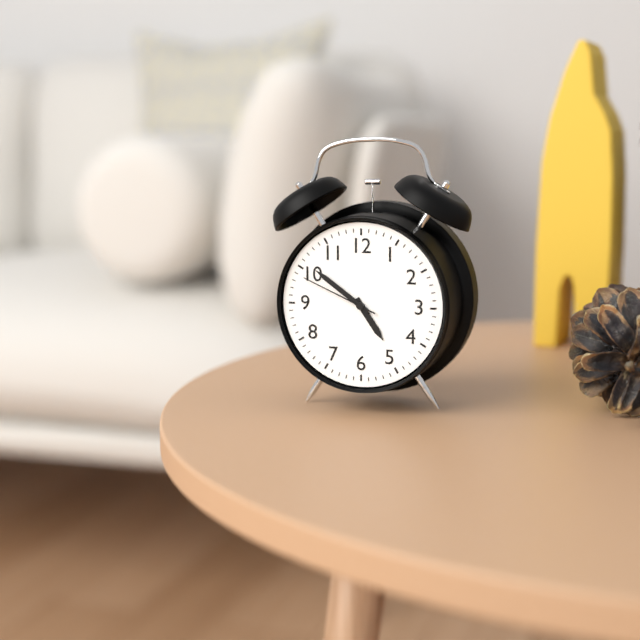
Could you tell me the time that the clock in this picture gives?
4:51:49
